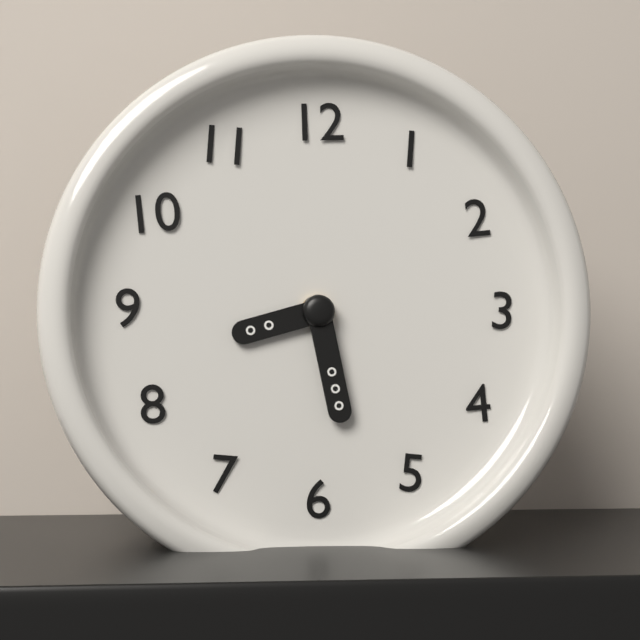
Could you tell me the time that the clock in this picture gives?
8:28
